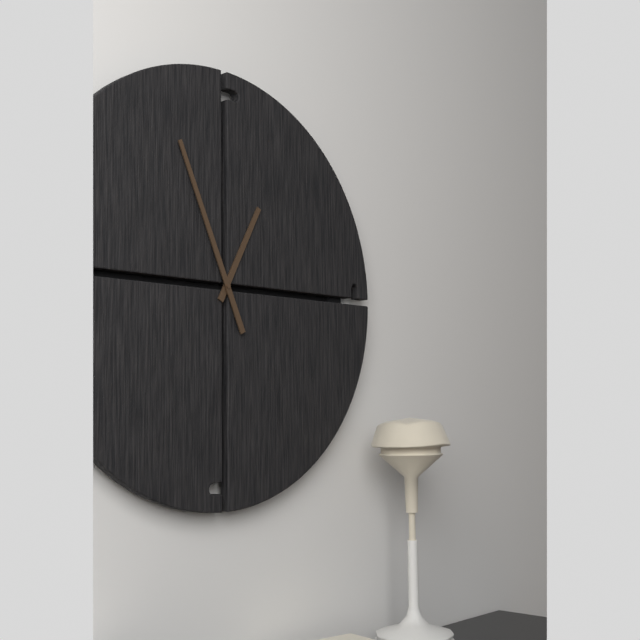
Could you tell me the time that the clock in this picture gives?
12:56
